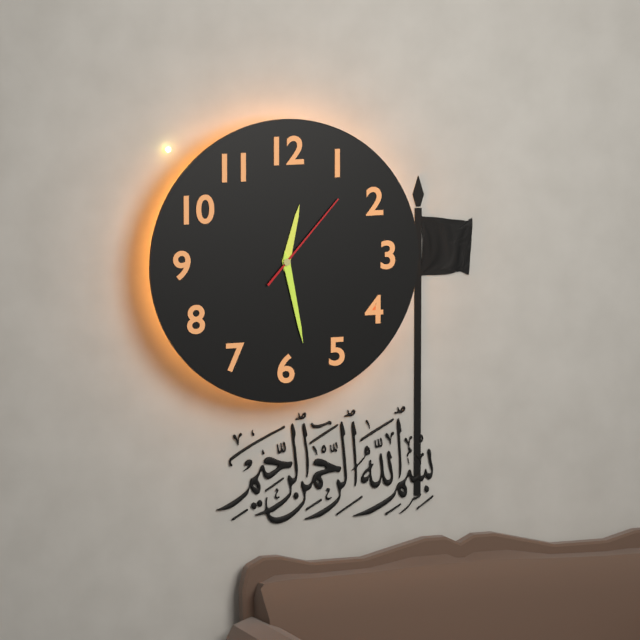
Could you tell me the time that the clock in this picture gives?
12:28:07
